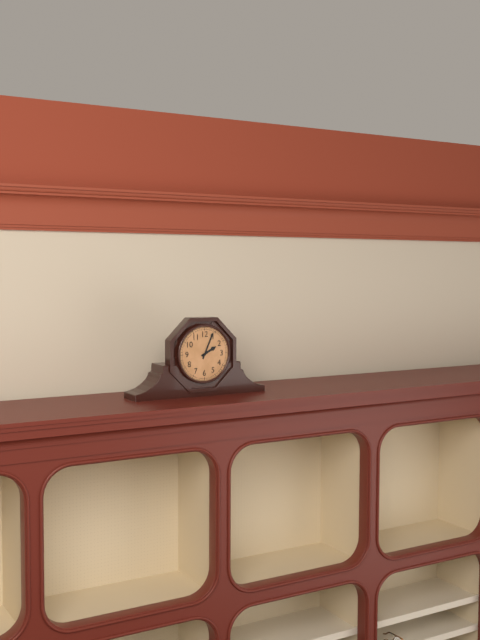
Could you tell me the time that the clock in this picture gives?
2:04
